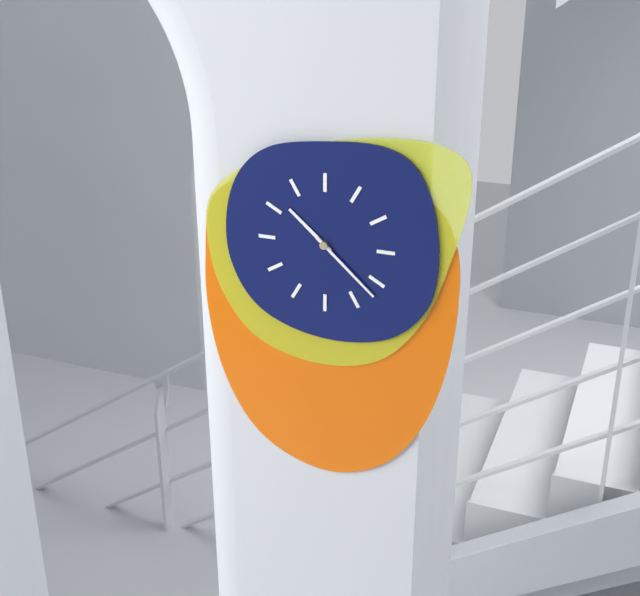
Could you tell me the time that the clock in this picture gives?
10:22
